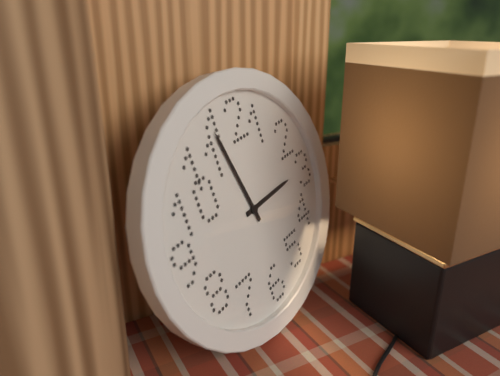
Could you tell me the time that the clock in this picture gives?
2:58
